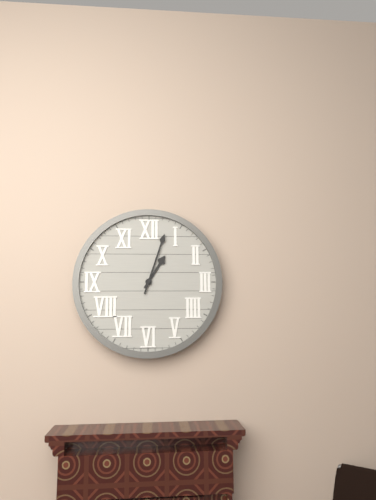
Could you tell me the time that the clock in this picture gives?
1:03
